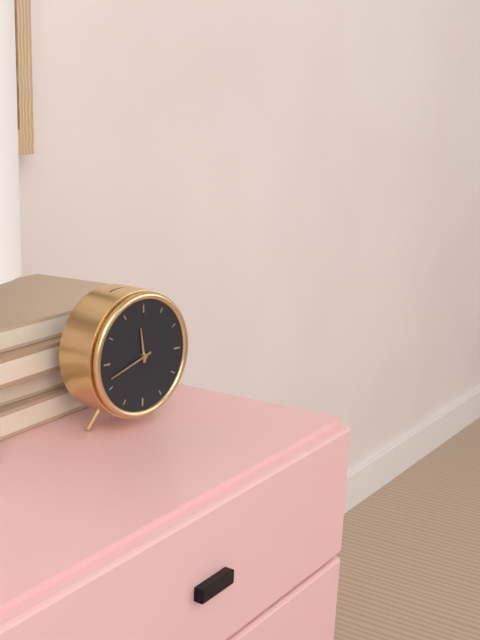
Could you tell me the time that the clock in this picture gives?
11:42
